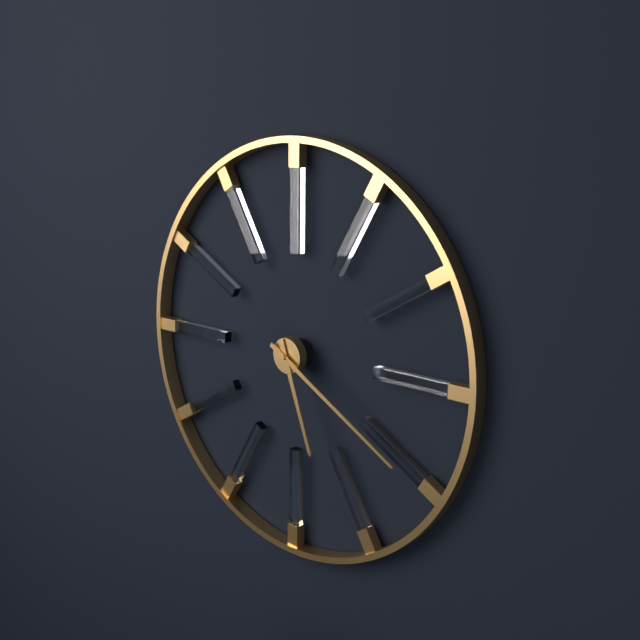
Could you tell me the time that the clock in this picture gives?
5:20
